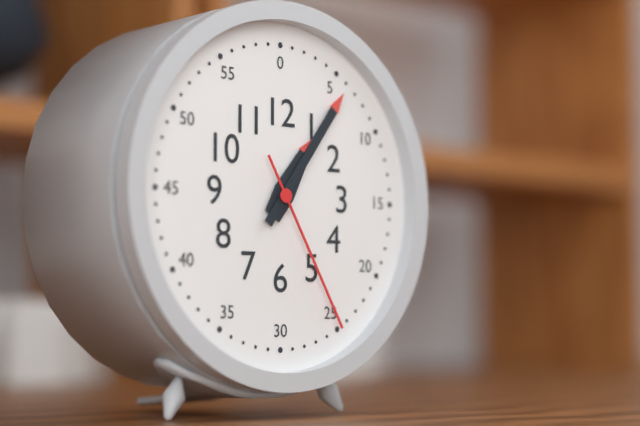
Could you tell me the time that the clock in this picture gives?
1:06:25
